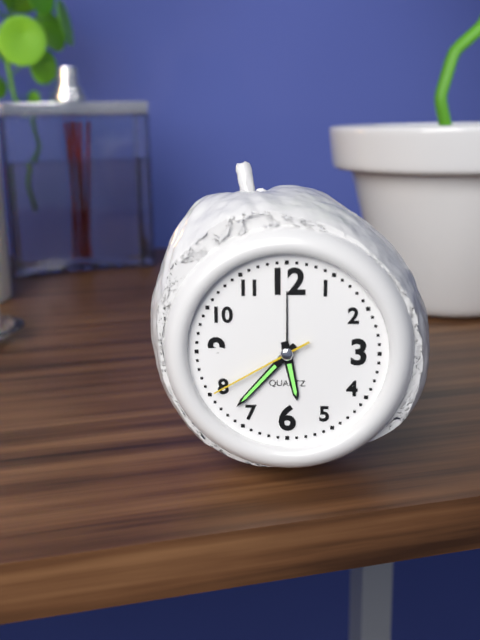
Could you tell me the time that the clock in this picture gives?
5:37:40
